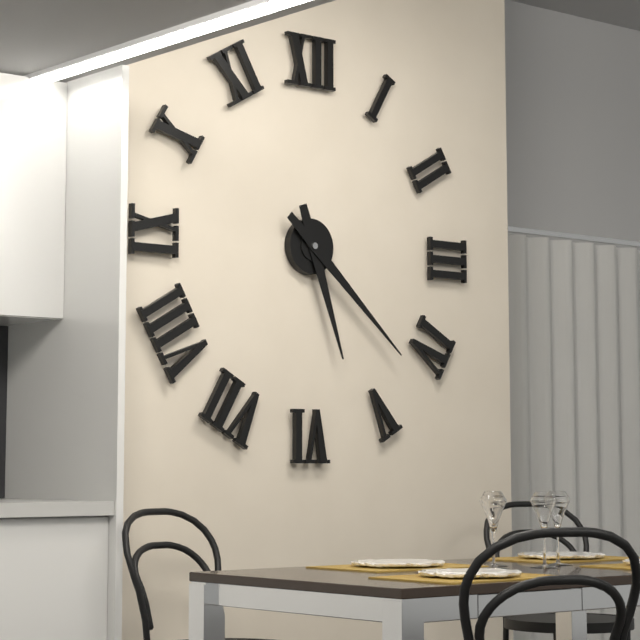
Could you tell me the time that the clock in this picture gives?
5:22
